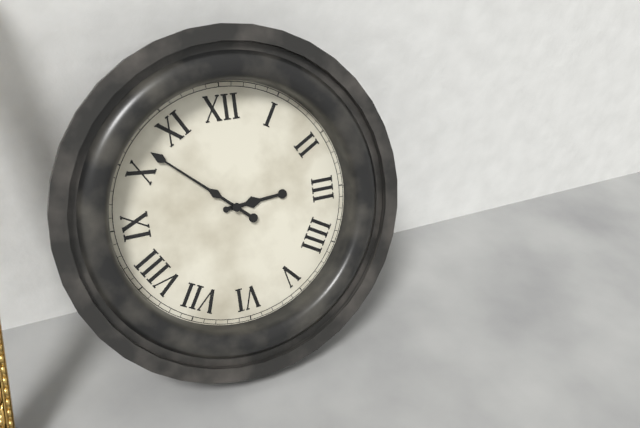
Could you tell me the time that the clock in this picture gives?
2:52
